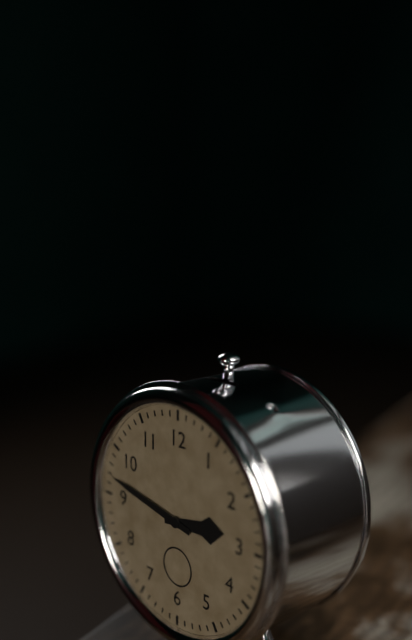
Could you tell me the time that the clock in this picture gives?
2:47
